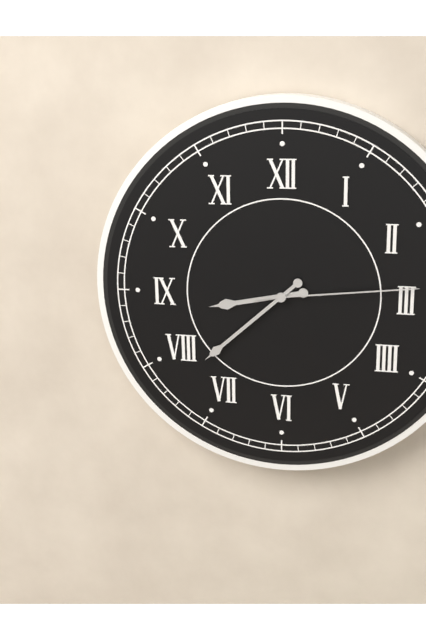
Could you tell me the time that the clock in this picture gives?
8:38:14
